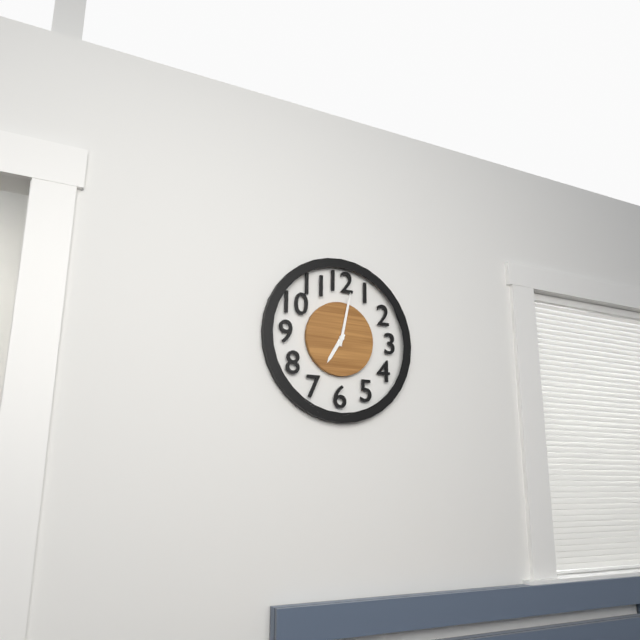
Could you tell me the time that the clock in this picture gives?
7:02
